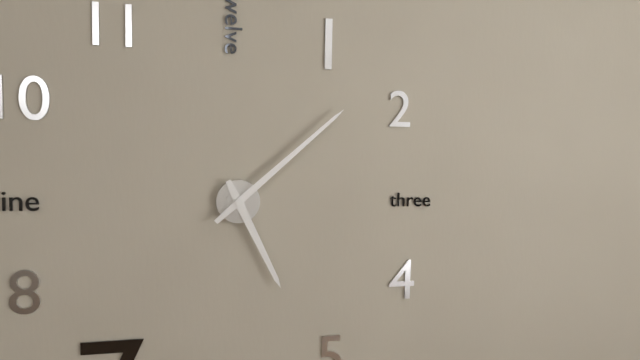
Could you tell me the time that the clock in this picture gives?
5:08
